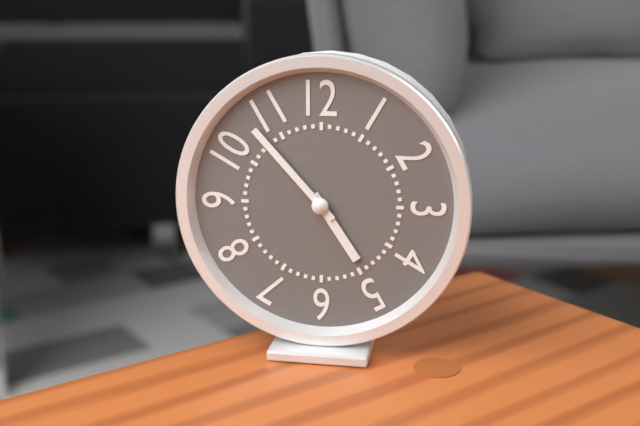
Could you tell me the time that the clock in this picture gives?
4:53
